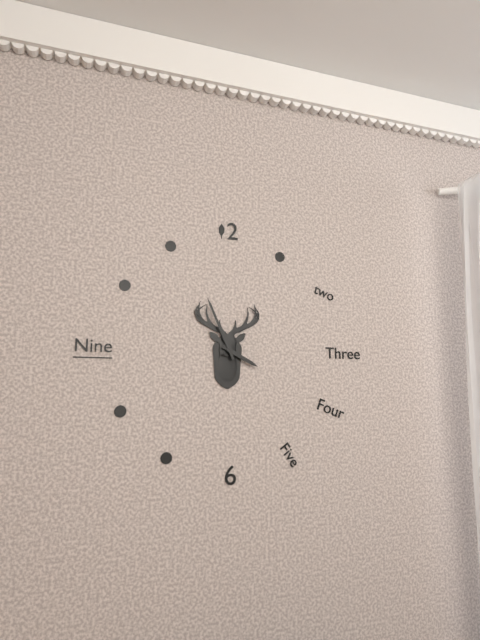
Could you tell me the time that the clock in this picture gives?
3:56
